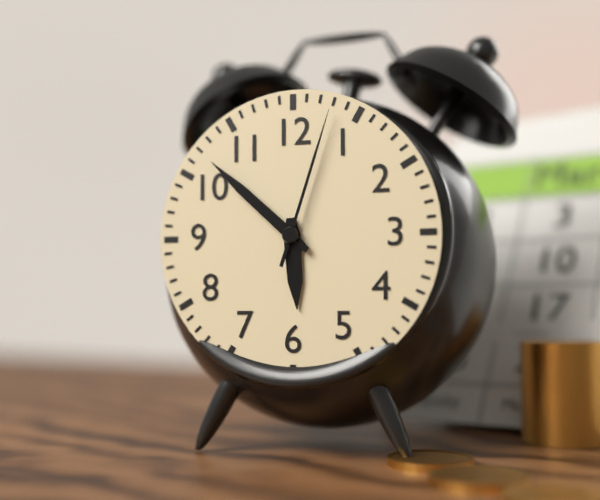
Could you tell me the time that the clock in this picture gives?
5:52:03
